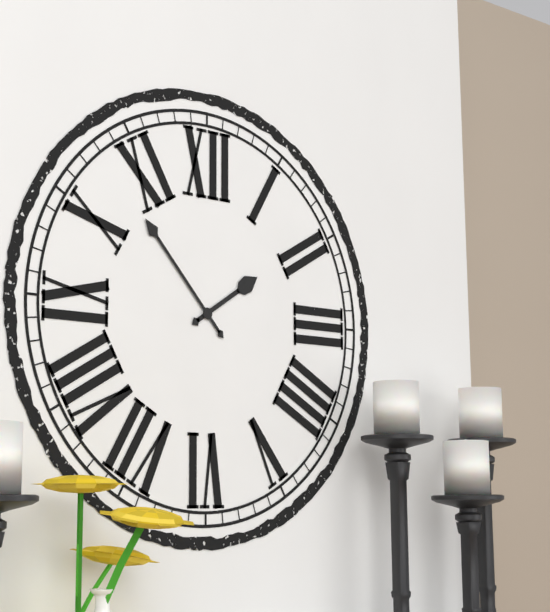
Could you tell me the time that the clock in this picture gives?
1:53
